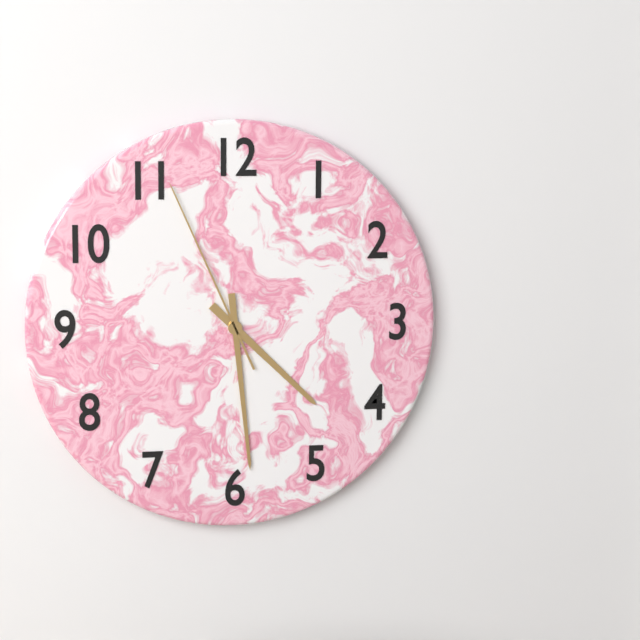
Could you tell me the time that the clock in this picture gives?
4:29:56
